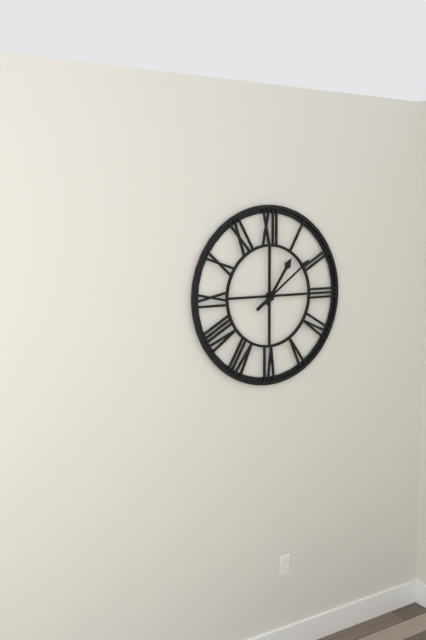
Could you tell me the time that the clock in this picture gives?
1:09
